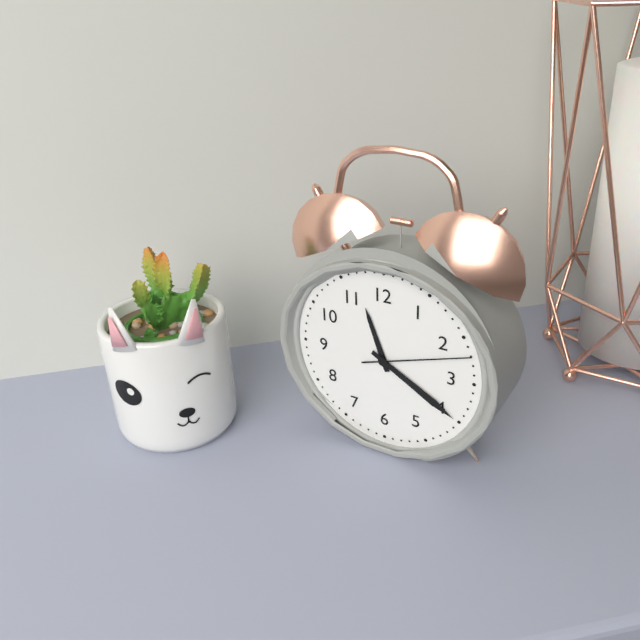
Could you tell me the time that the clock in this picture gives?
11:20:12
